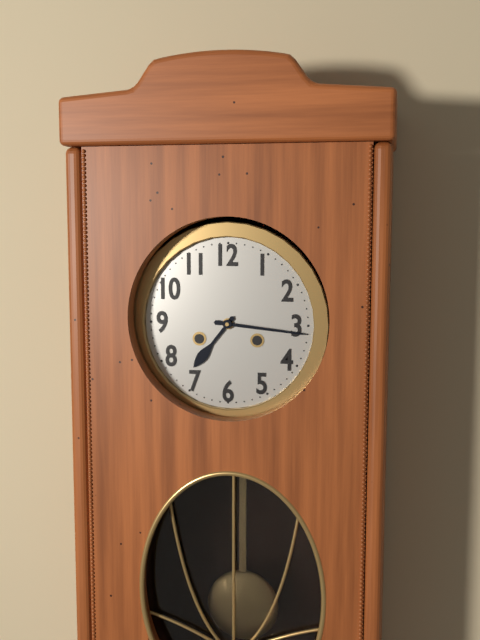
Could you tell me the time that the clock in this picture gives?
7:16
